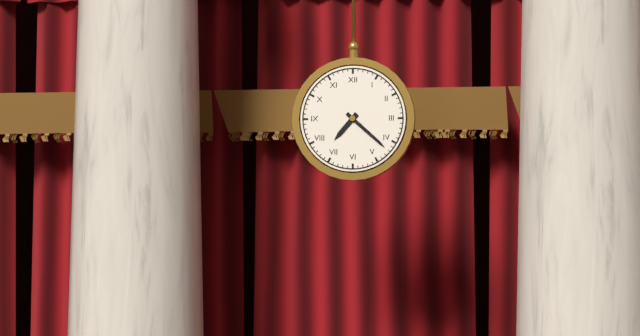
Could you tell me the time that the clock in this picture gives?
7:22
